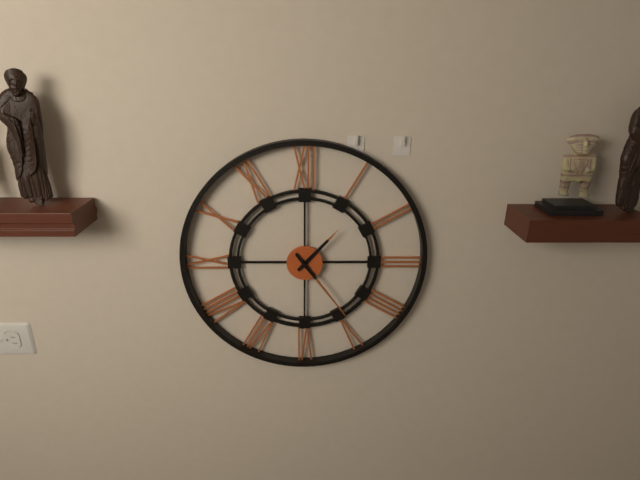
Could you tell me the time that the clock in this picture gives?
1:24
